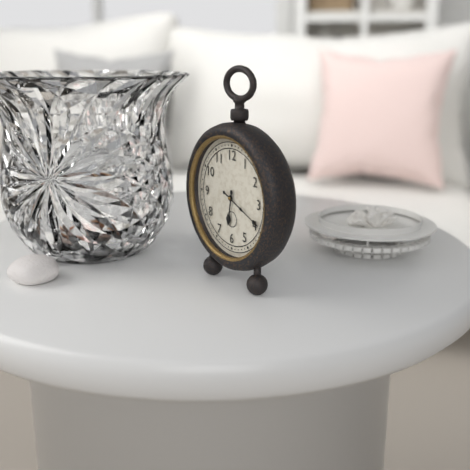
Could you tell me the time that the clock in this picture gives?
6:19
